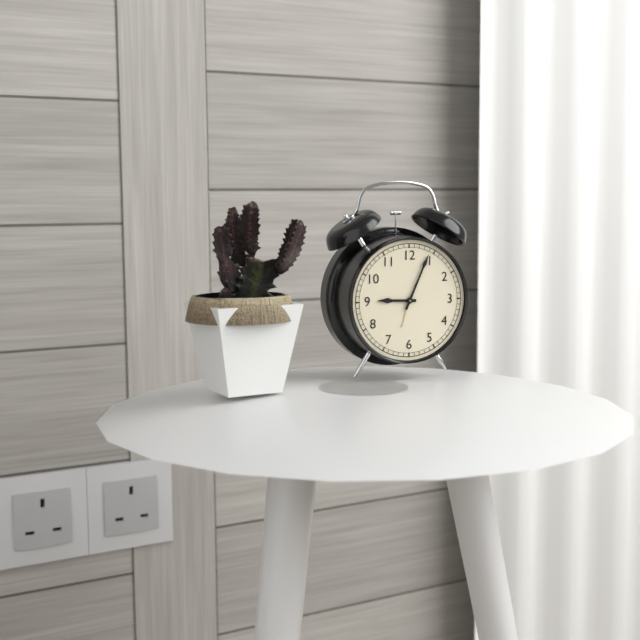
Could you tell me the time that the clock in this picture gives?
9:04
